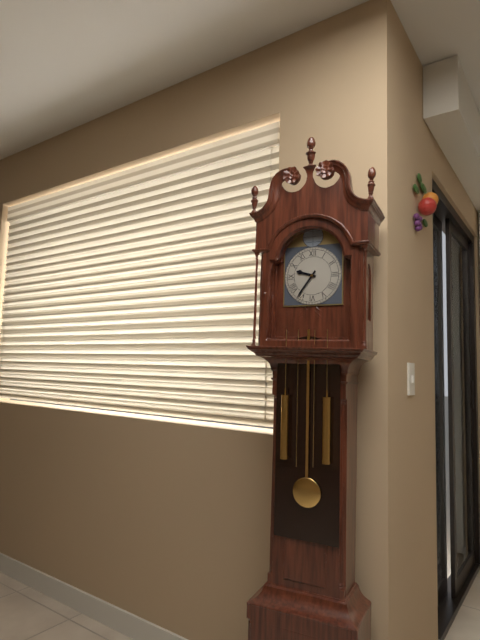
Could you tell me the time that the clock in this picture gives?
9:36
